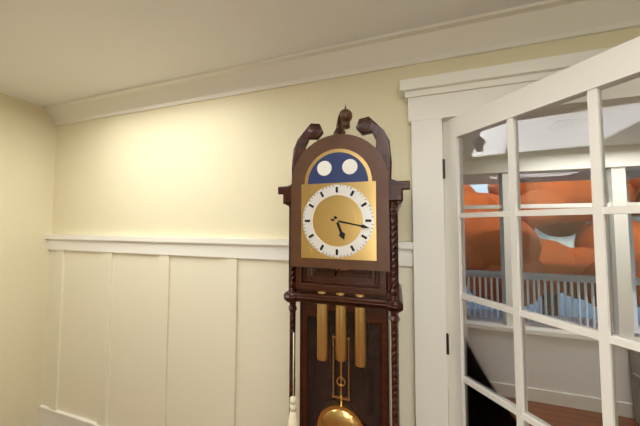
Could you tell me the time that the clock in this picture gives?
5:17
